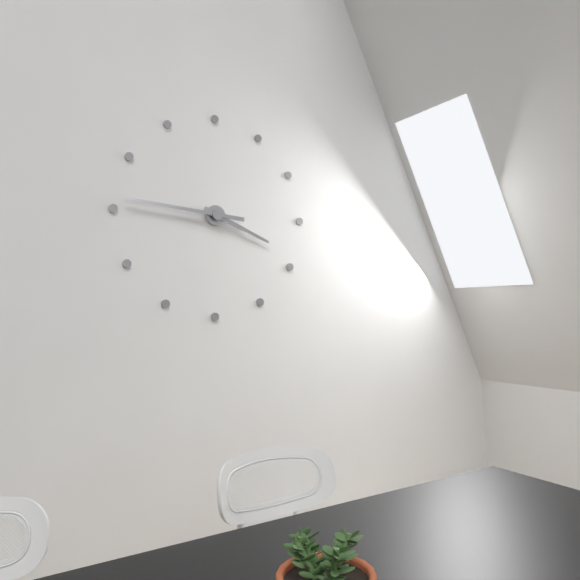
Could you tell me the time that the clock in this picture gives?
3:46
